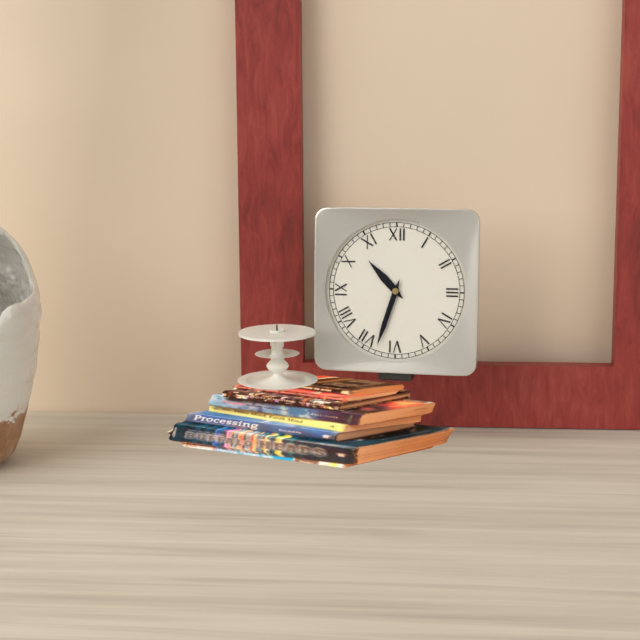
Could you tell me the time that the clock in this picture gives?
10:33
